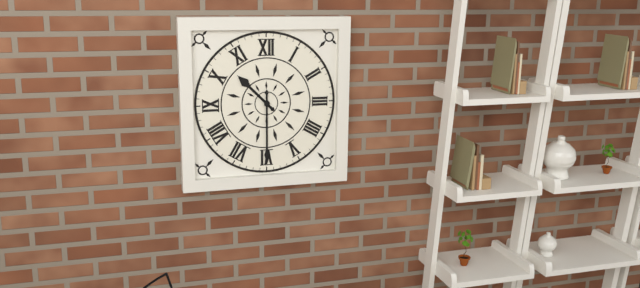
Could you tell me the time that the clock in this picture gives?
10:30
